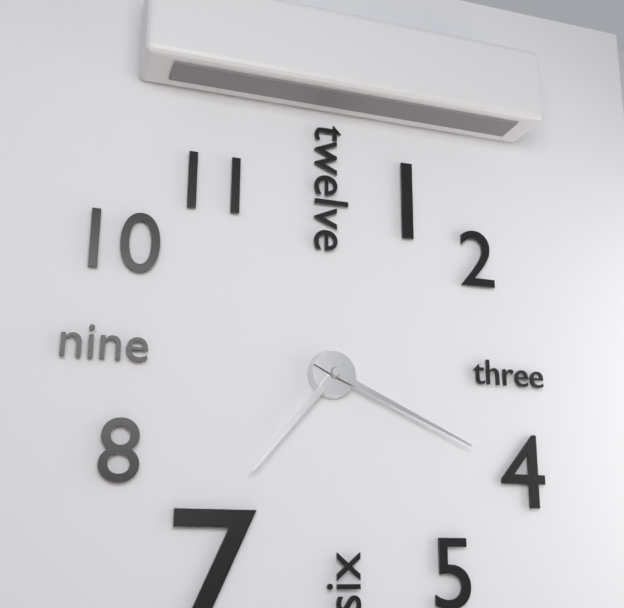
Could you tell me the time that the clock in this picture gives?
7:19
